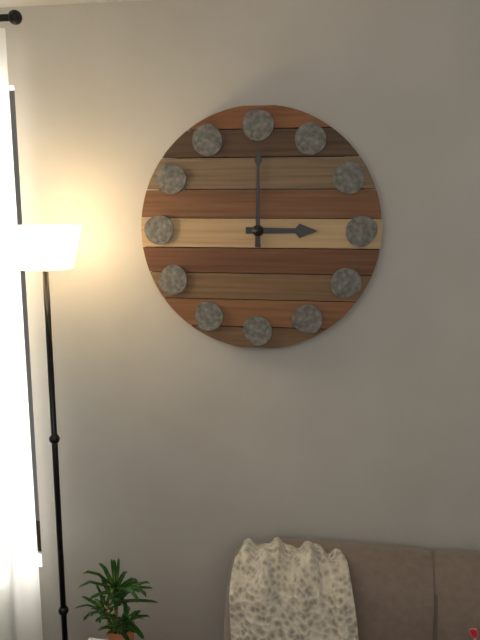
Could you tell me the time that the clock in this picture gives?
3:00
